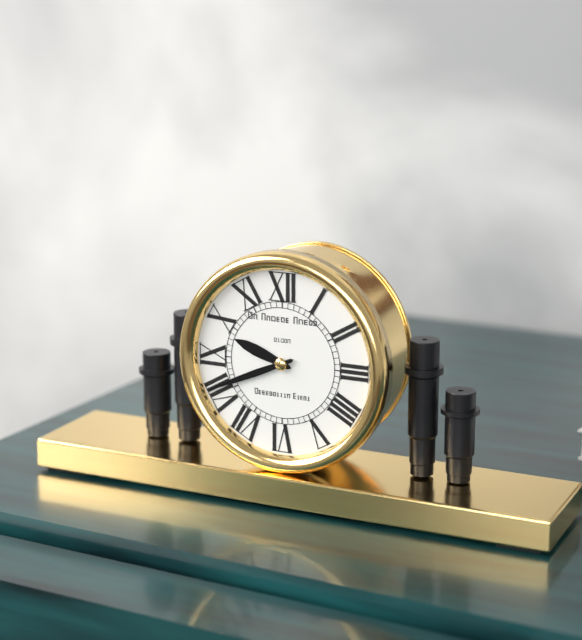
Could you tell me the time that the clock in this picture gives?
9:41
